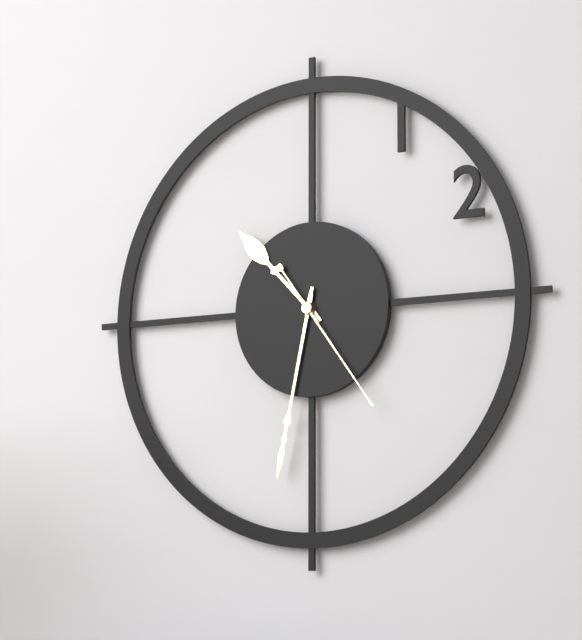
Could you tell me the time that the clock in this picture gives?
10:32:24
